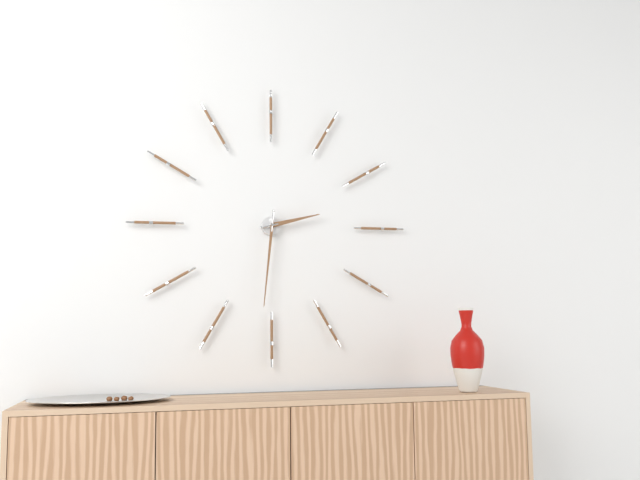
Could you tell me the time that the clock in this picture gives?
2:31
